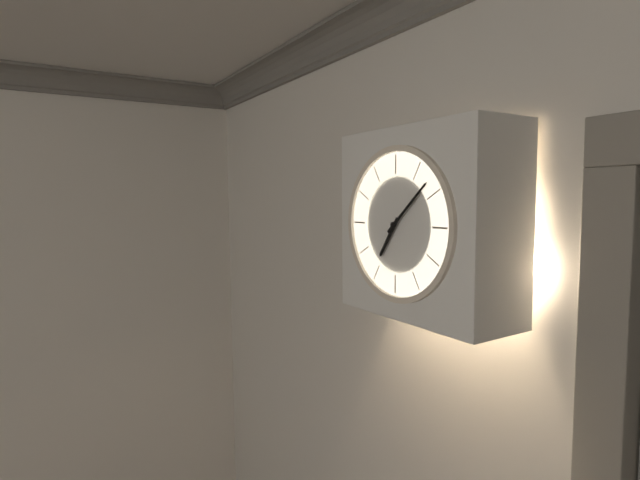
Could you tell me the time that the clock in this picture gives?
7:08
